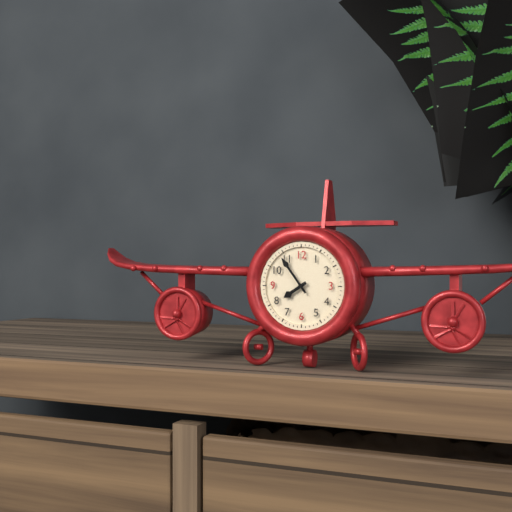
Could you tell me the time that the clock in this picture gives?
7:54
